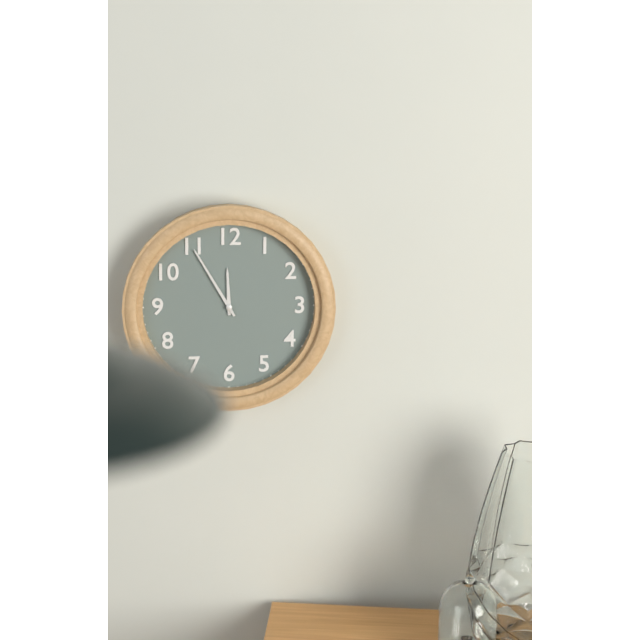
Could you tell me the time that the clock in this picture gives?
11:55
